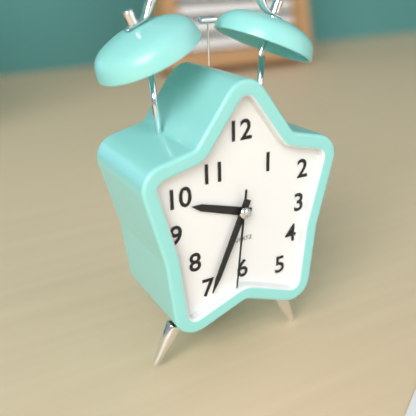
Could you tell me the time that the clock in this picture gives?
9:34:31
